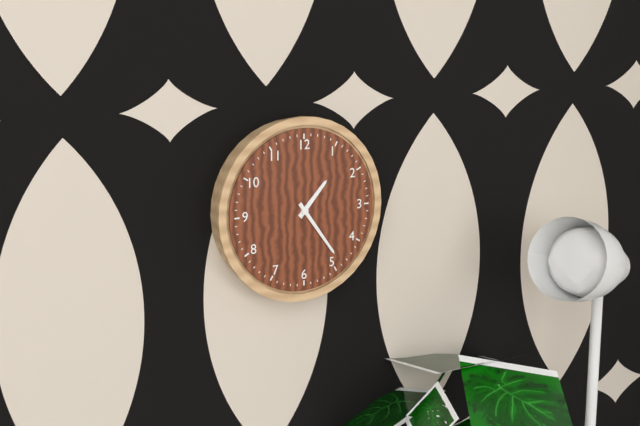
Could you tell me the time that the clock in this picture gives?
1:24
